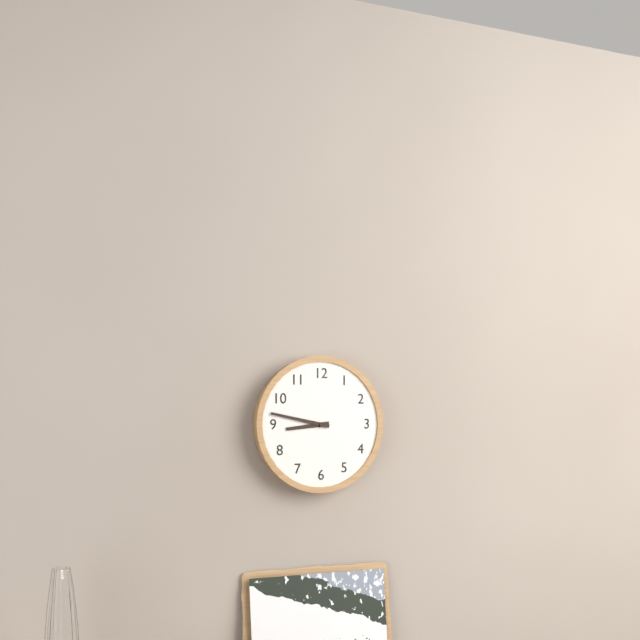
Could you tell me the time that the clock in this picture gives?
8:47
